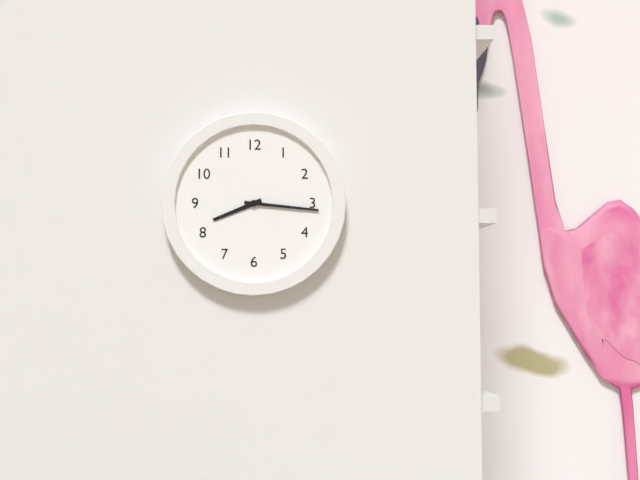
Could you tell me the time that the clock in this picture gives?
8:16
